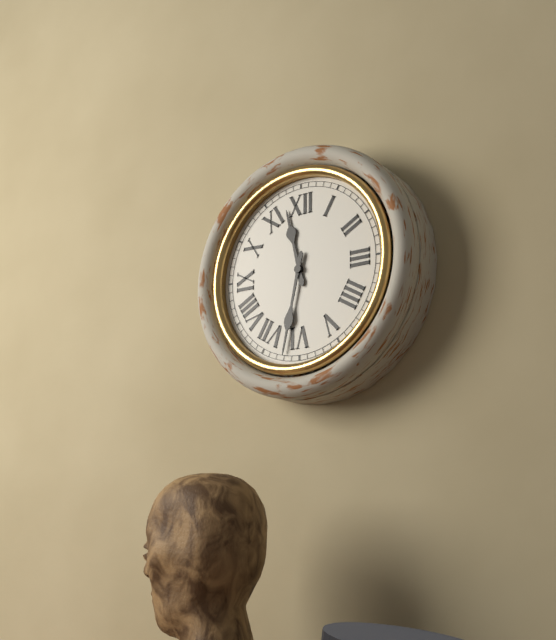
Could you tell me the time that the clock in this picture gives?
11:32
